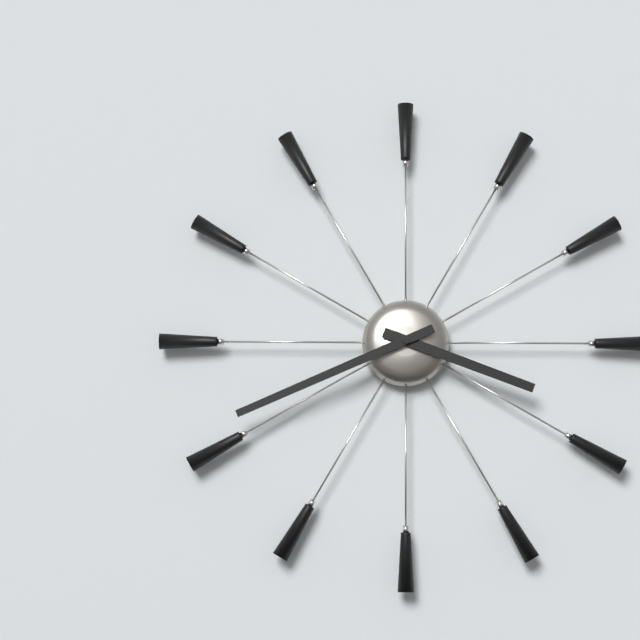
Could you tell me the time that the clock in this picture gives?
3:41
